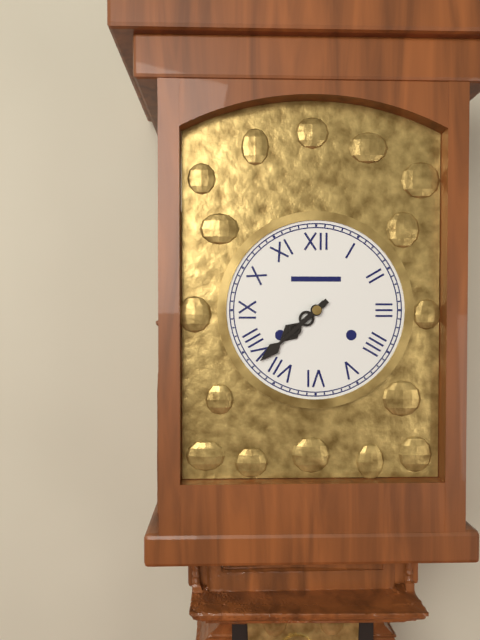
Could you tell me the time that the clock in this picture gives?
7:38
